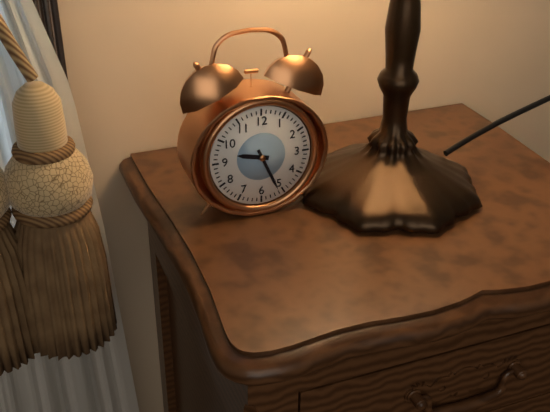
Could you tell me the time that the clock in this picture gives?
9:26
